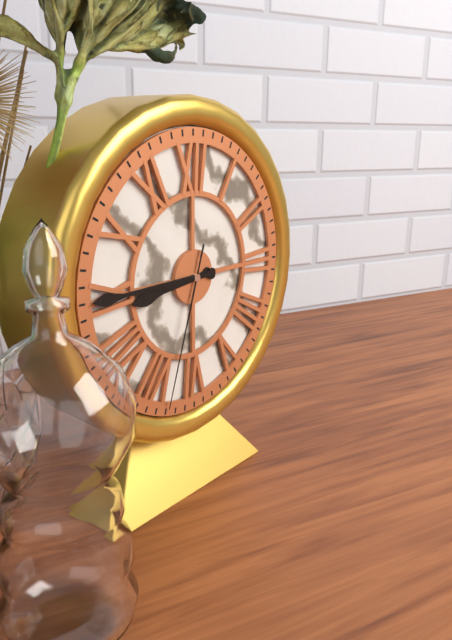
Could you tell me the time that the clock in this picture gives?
8:45:33
